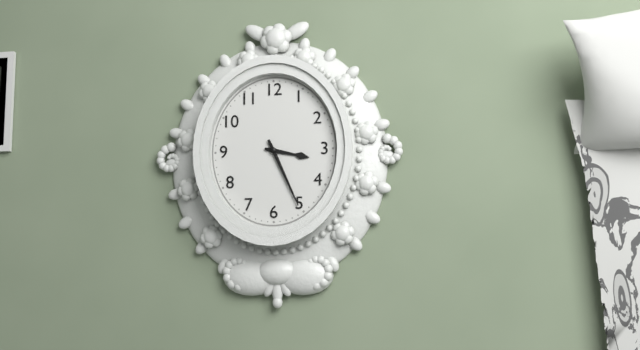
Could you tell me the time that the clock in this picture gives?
3:26
